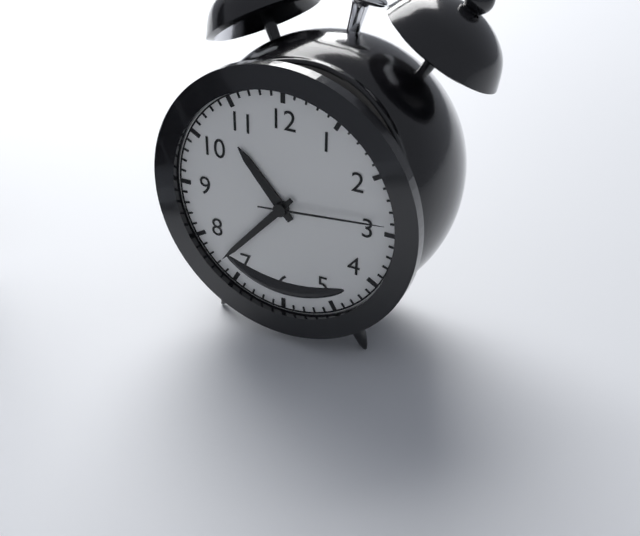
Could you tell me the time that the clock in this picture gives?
10:37:14
